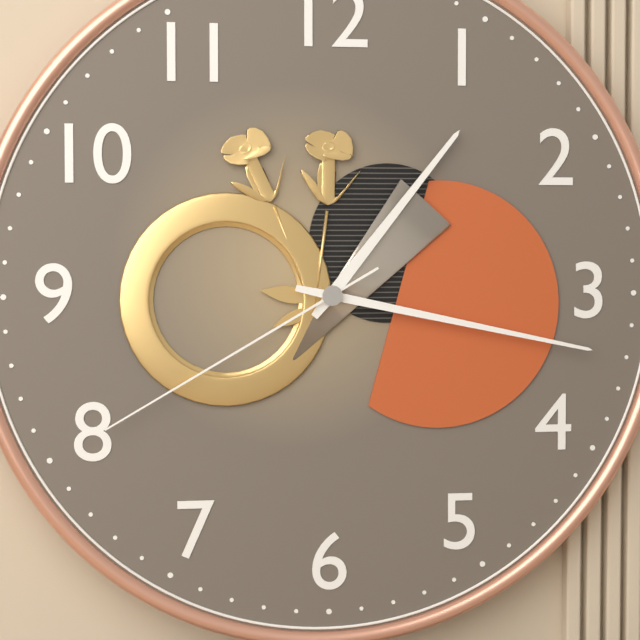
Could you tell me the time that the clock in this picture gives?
1:17:40
